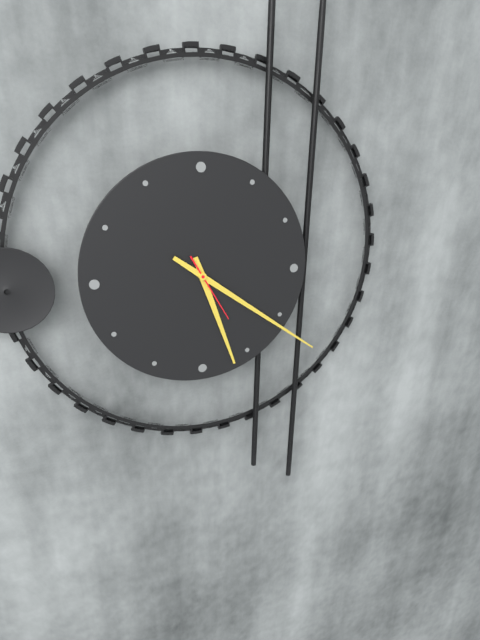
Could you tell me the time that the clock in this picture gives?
5:21:25
